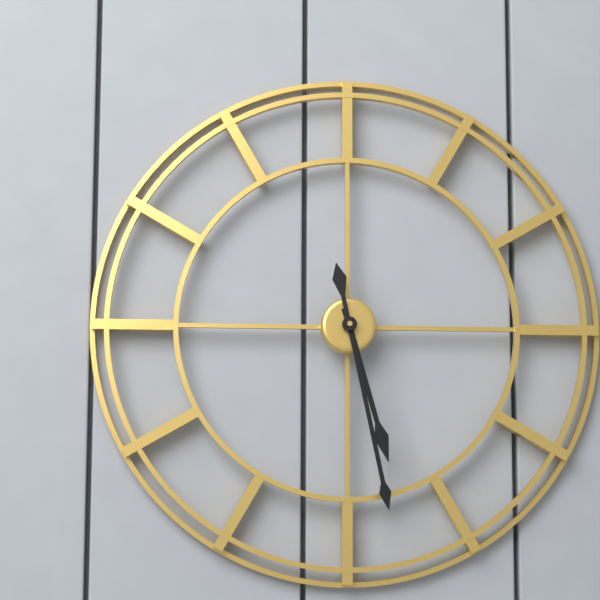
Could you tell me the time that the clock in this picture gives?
5:28
